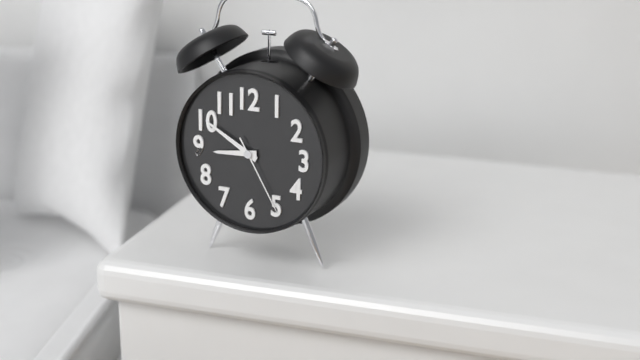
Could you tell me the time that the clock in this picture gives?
8:50:25
